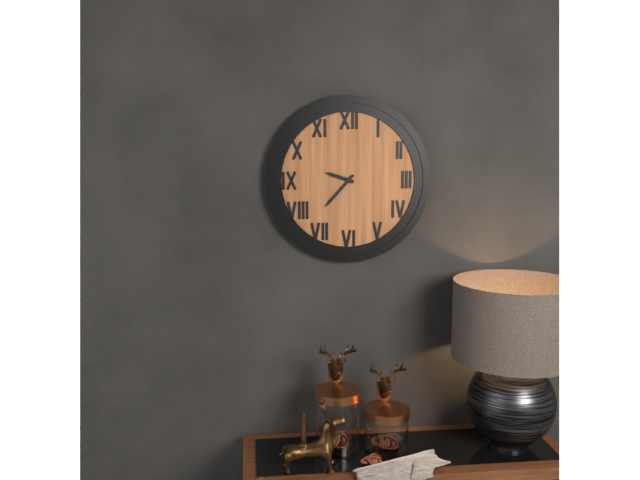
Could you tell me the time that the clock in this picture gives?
9:37
